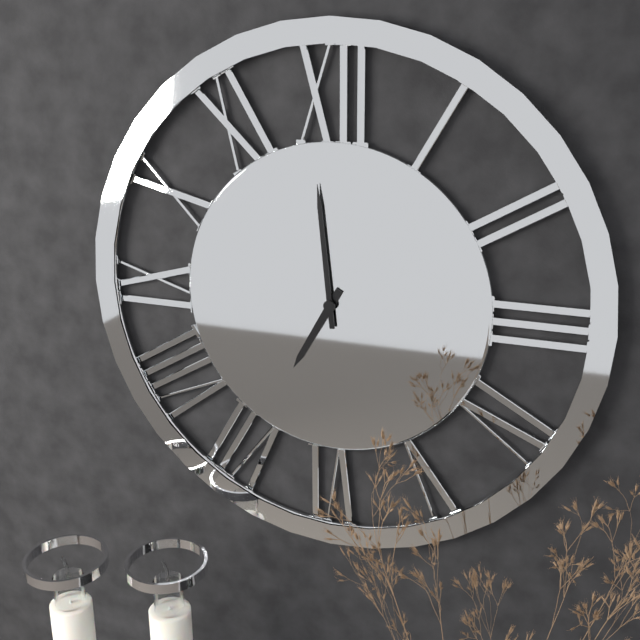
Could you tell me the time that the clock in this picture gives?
6:59
